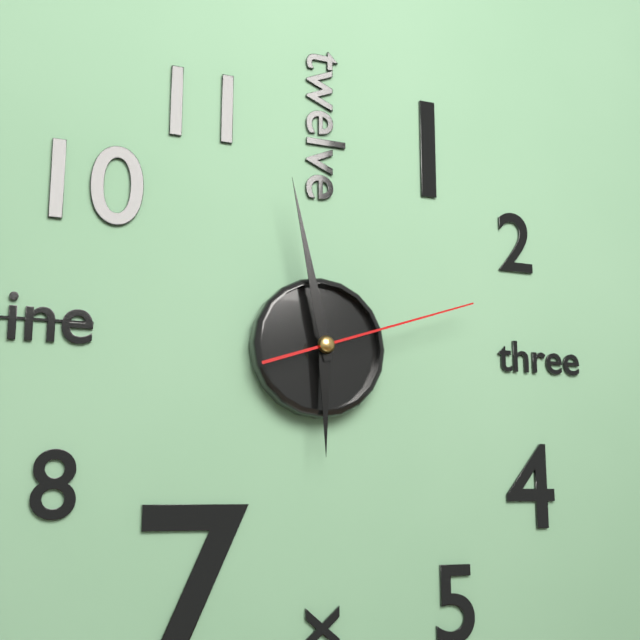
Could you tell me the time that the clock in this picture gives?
5:58:12
